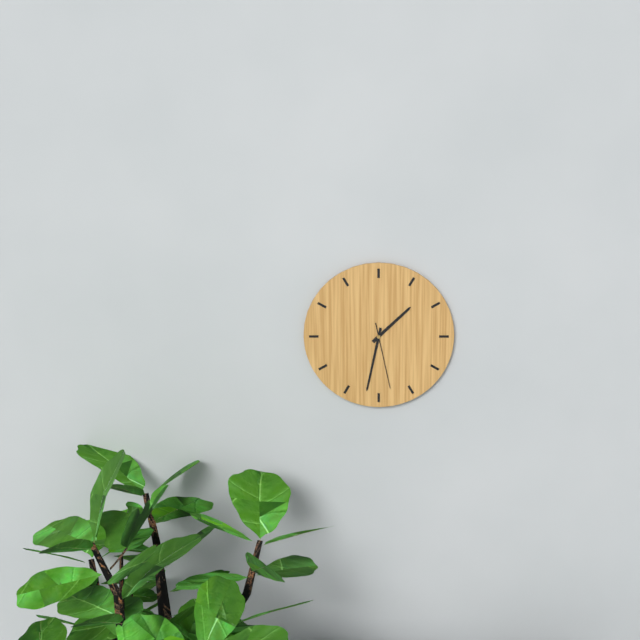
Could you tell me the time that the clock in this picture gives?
1:32:28
